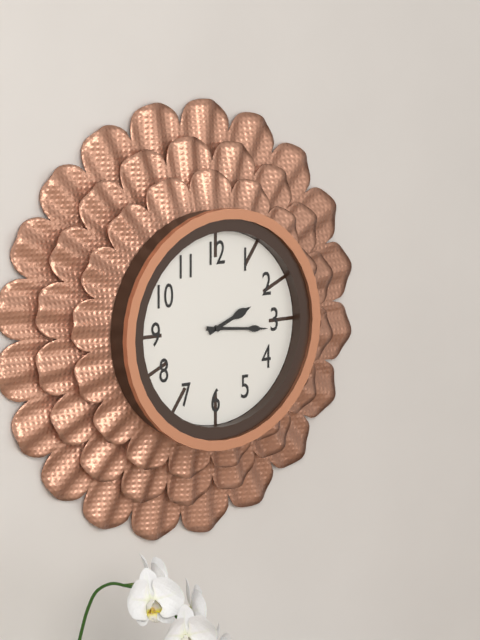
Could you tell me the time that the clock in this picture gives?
2:16
